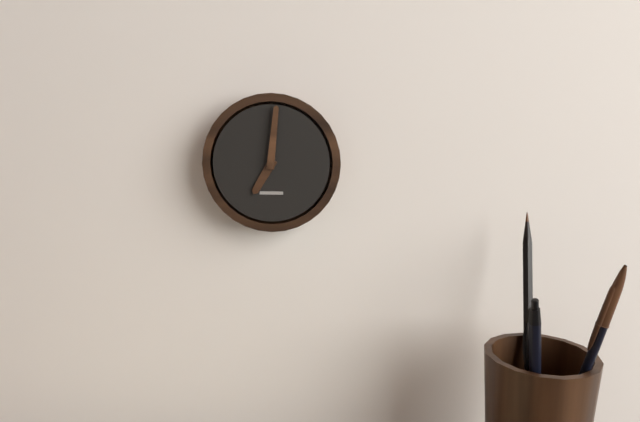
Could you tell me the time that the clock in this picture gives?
7:01
